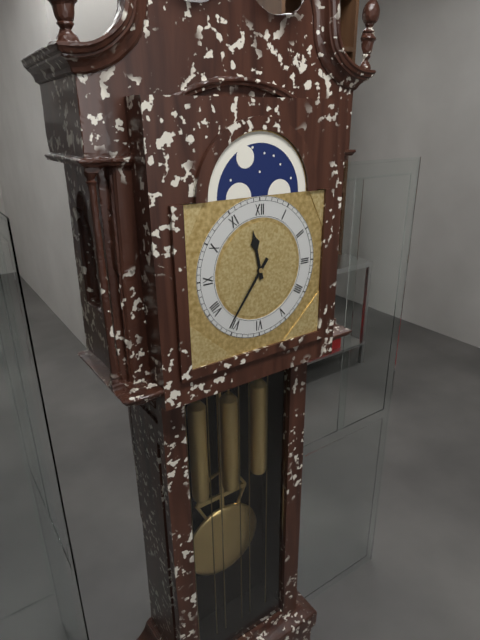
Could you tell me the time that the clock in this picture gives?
11:36
